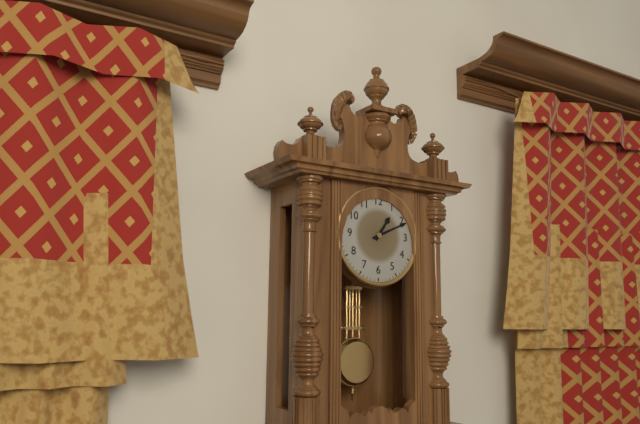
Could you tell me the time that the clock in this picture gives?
1:11
